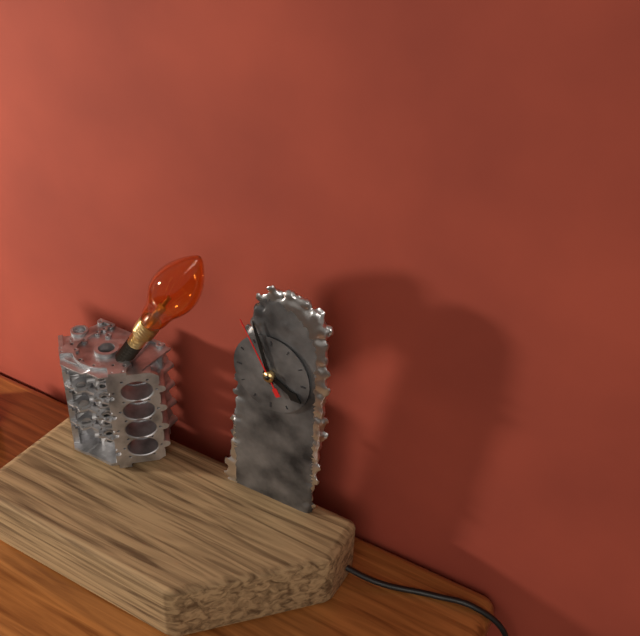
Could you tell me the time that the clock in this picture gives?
3:57:55
